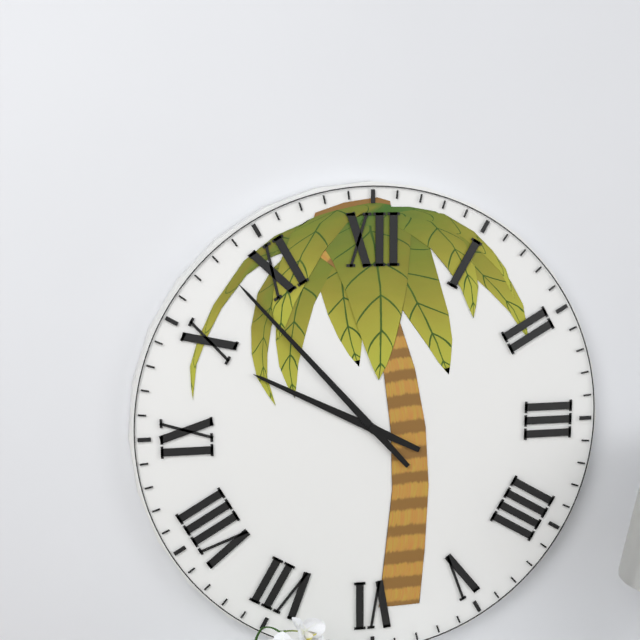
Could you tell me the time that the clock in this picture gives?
9:53
